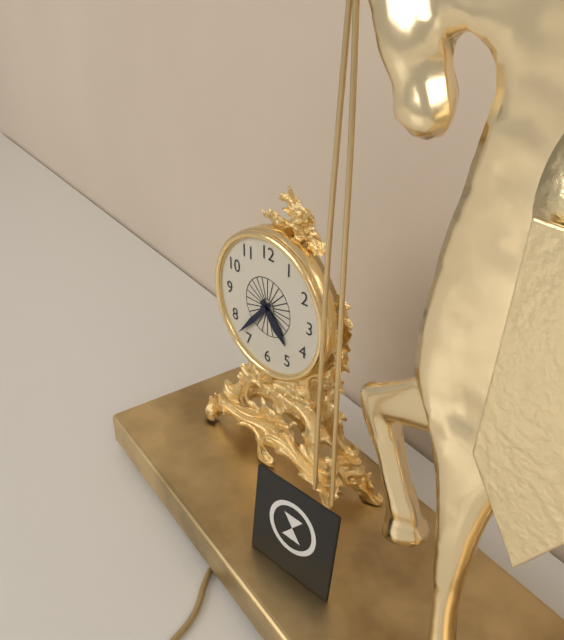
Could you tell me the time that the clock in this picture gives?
4:37
